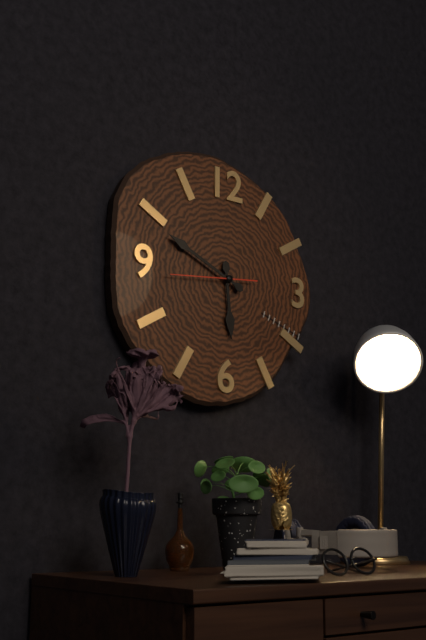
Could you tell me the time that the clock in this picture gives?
5:49:44
